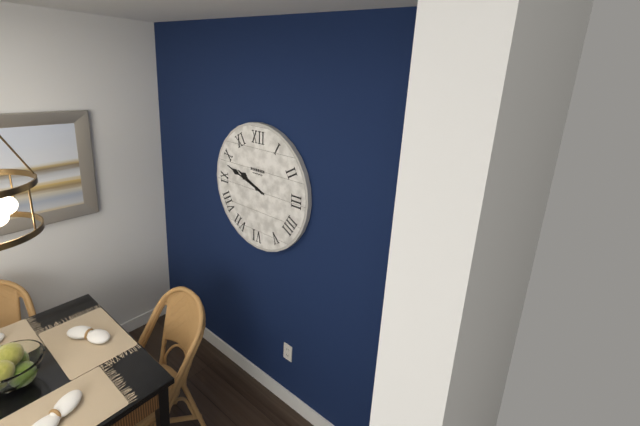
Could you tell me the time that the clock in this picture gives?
9:48
